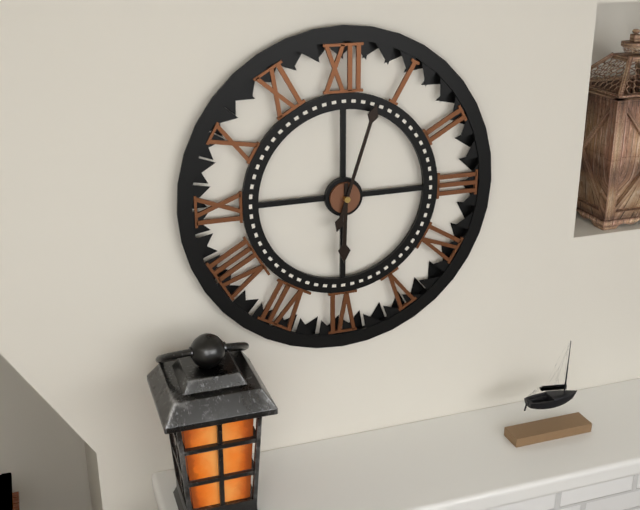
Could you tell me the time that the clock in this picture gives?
6:03
